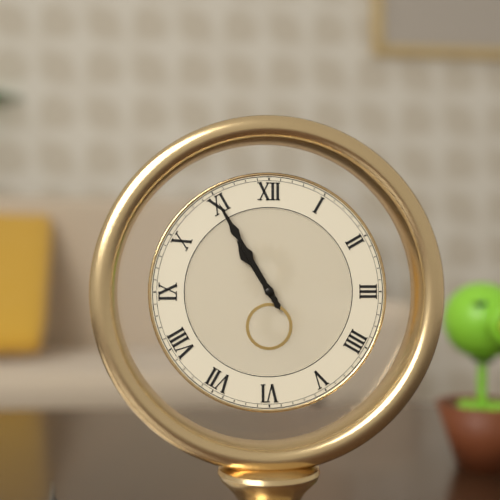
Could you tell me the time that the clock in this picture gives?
10:55
